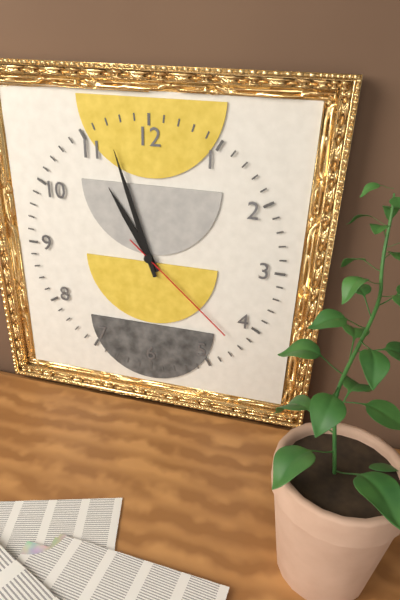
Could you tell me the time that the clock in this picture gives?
10:57:22
